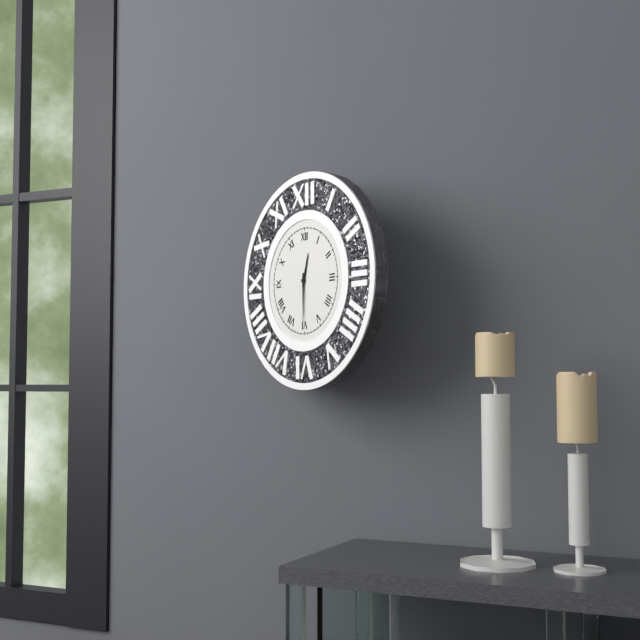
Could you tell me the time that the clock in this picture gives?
12:30
